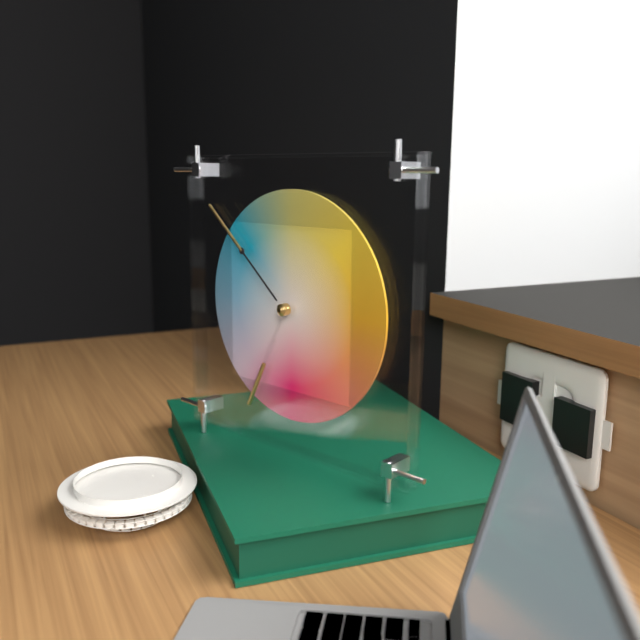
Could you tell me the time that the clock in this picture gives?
6:52
